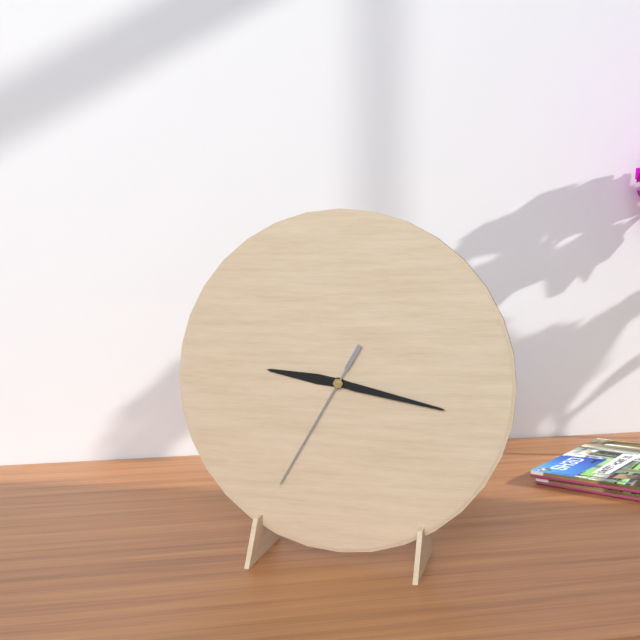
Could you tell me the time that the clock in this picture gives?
9:17:35
